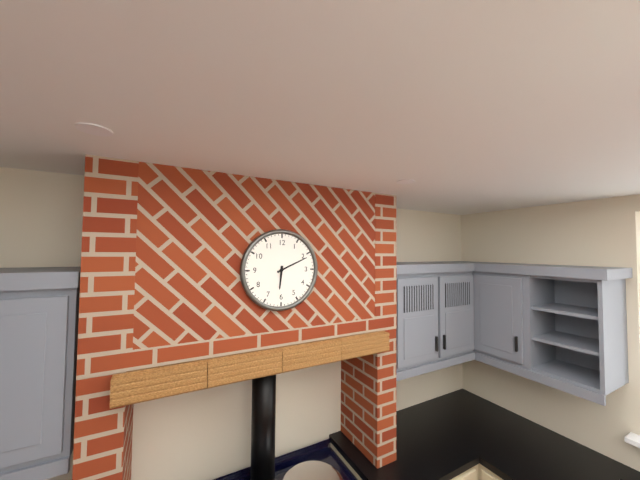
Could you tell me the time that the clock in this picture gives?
6:11
